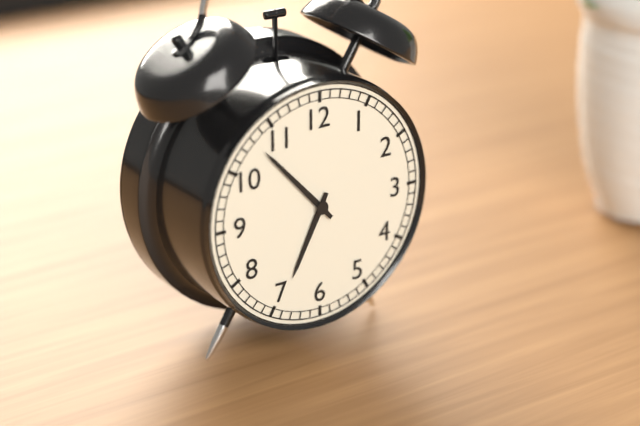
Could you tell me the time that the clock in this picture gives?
6:53
